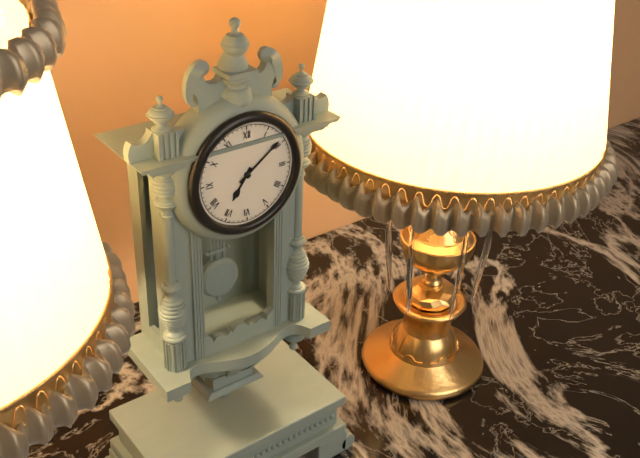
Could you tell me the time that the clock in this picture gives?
7:09
